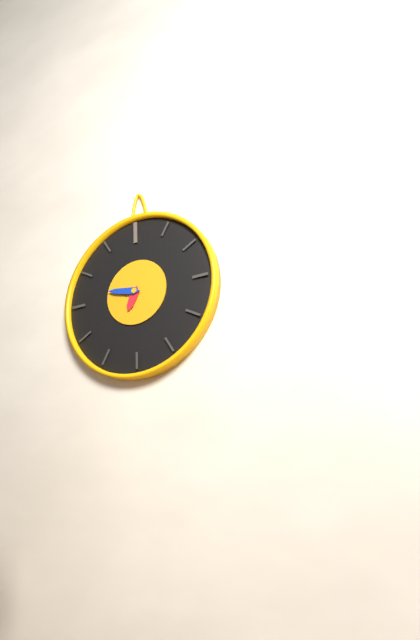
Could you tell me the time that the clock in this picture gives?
6:47
